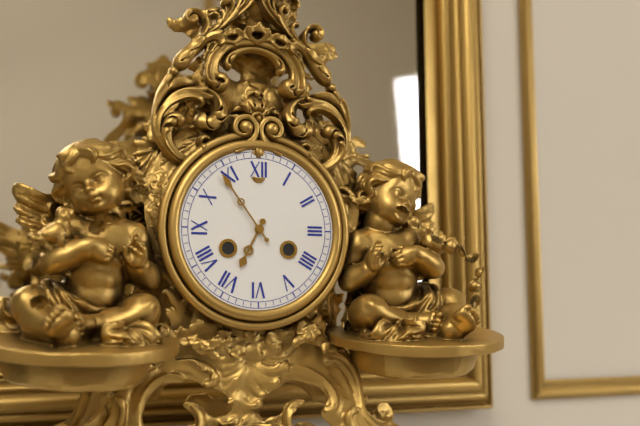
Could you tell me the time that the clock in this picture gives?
6:54
